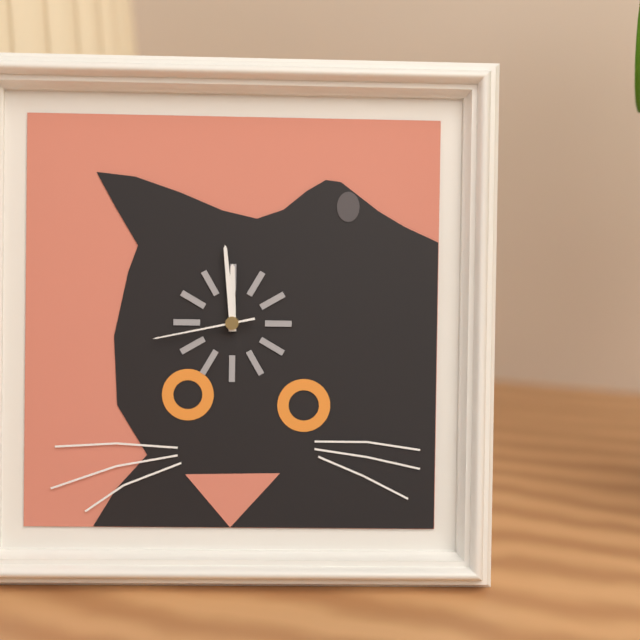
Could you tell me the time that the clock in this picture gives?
11:59:43
